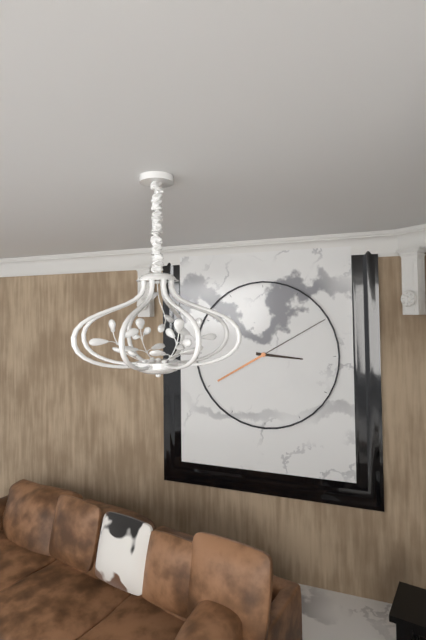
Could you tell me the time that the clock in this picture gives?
3:10
